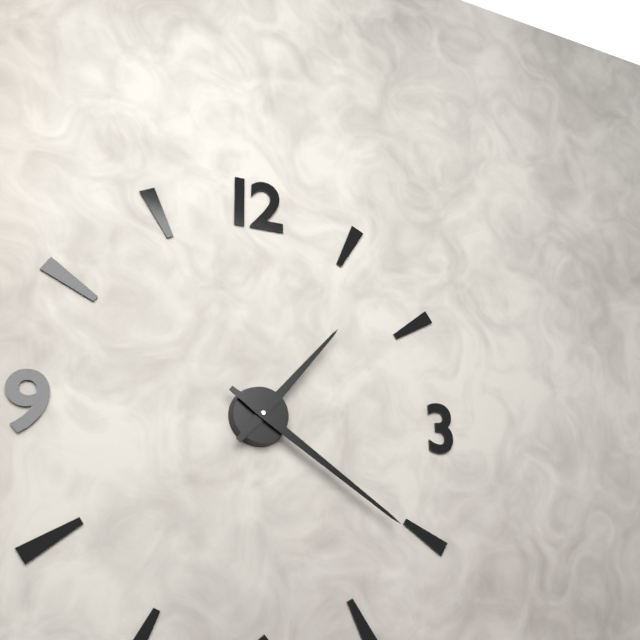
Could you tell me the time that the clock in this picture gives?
1:21
